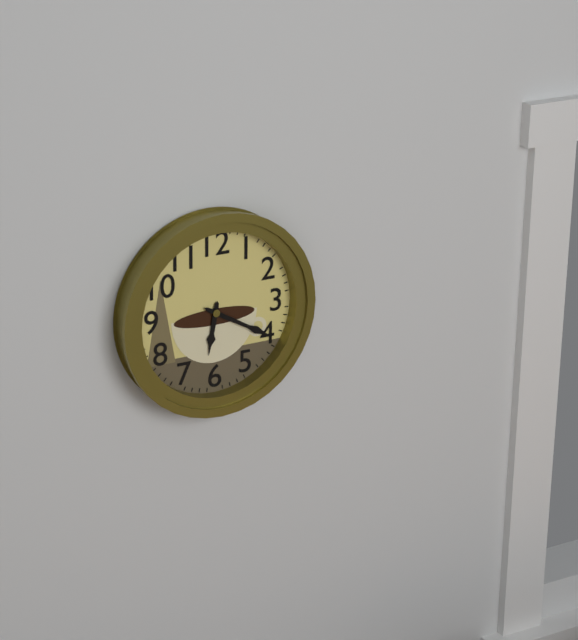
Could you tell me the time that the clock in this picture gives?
6:20
